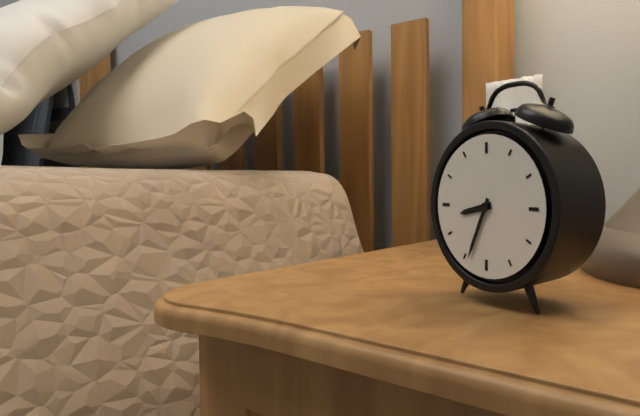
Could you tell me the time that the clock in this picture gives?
8:34
